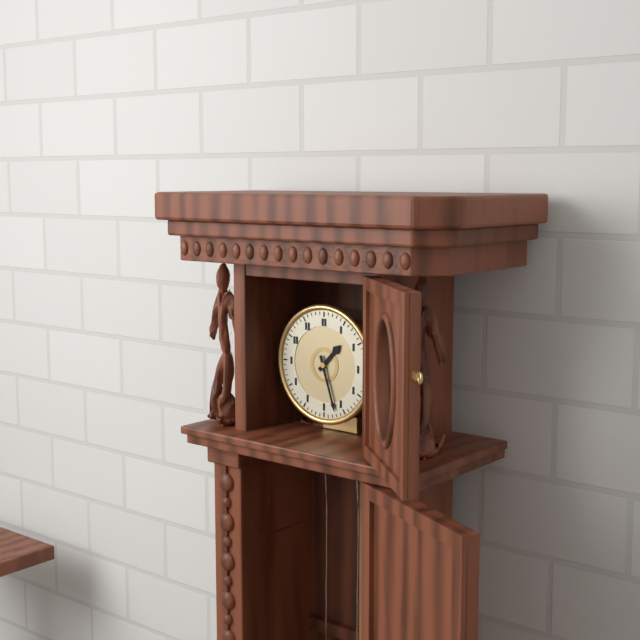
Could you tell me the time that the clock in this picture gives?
1:27
